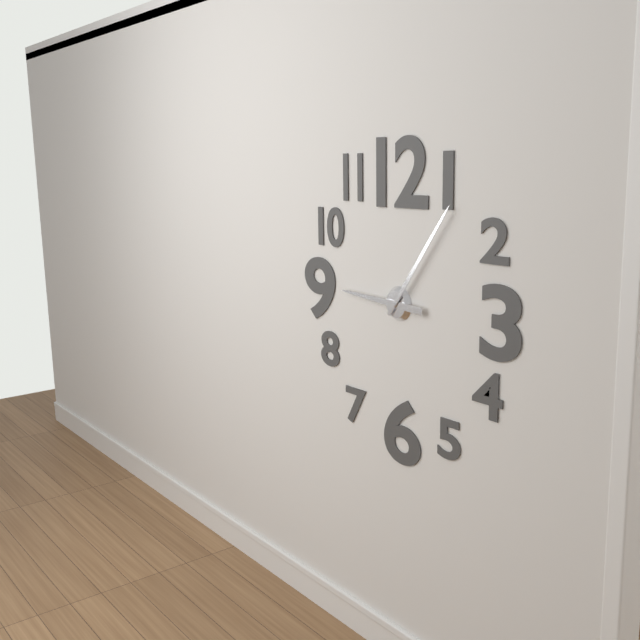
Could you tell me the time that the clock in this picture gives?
9:06
